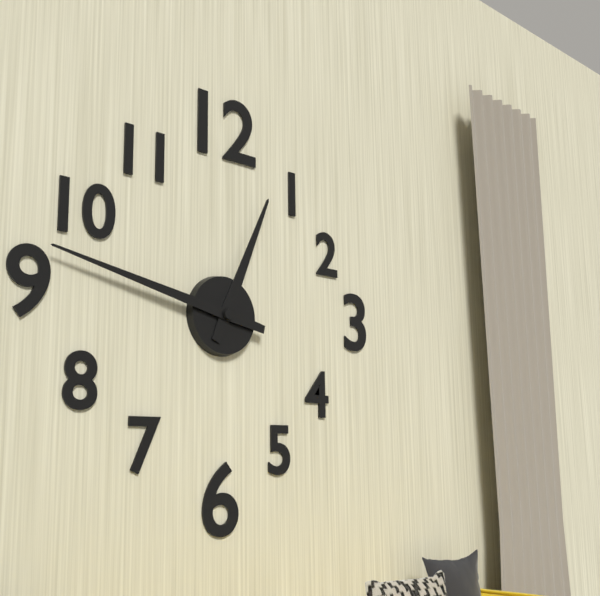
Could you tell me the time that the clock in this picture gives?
12:47
